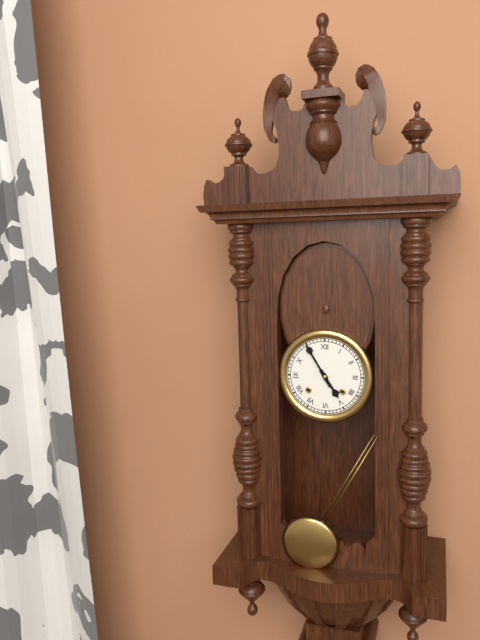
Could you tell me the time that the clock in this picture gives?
4:55
